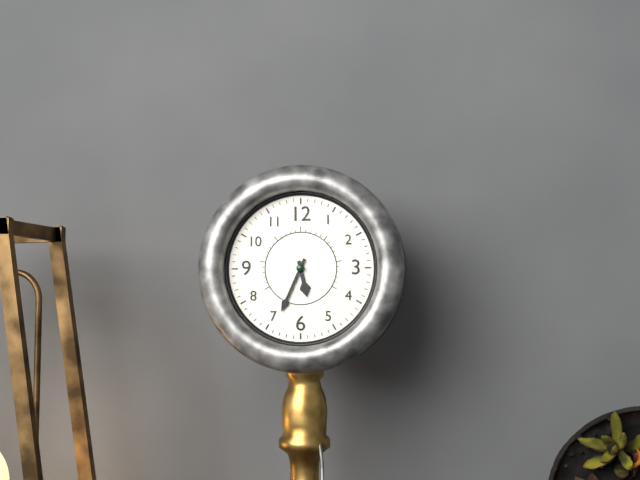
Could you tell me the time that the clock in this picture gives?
5:34
